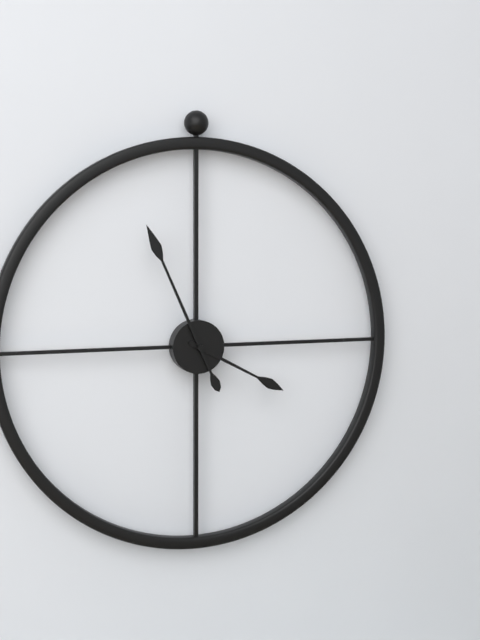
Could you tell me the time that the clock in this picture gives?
3:56
